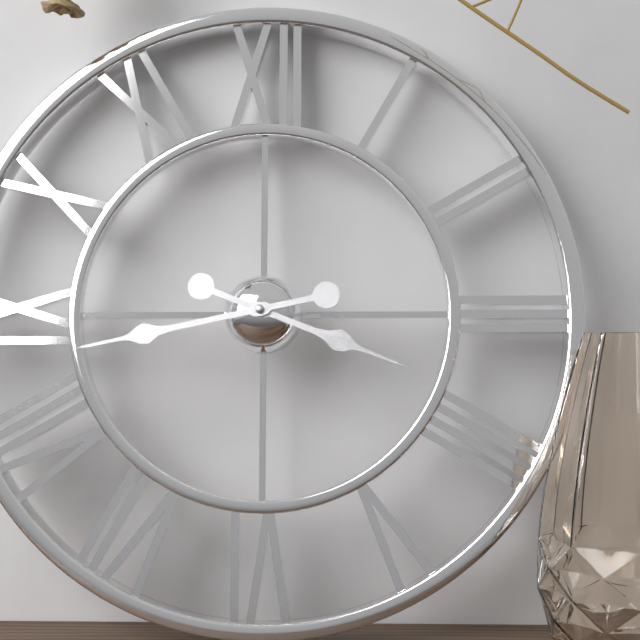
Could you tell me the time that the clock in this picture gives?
3:43
